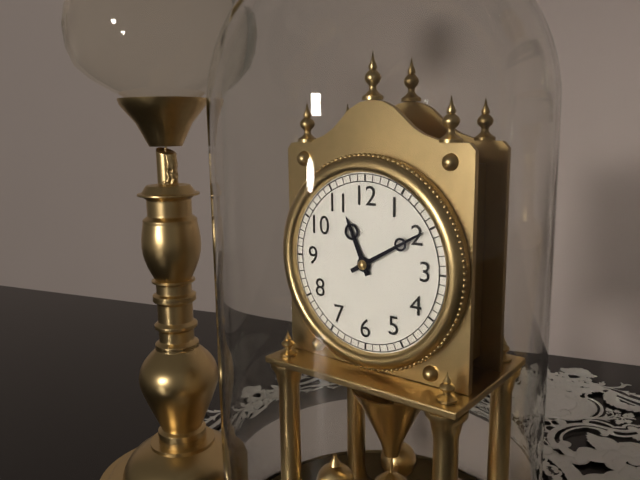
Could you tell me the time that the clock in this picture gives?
11:10
